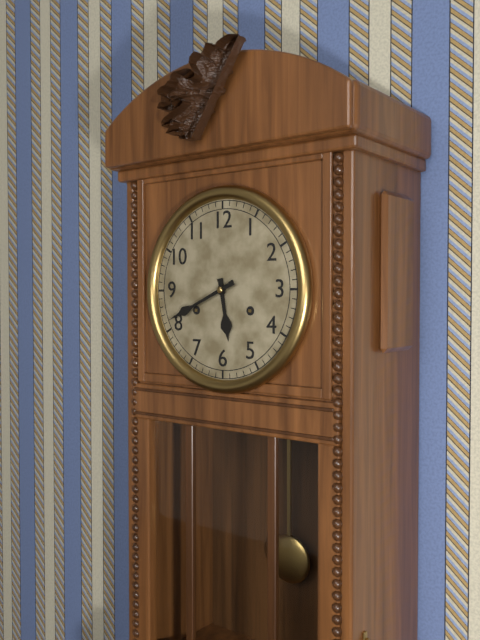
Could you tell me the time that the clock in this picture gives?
5:41
